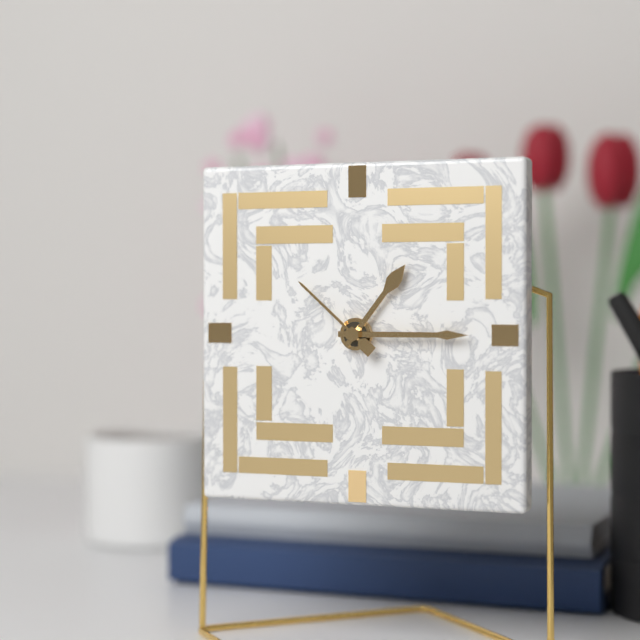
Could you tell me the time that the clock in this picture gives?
1:15:52
